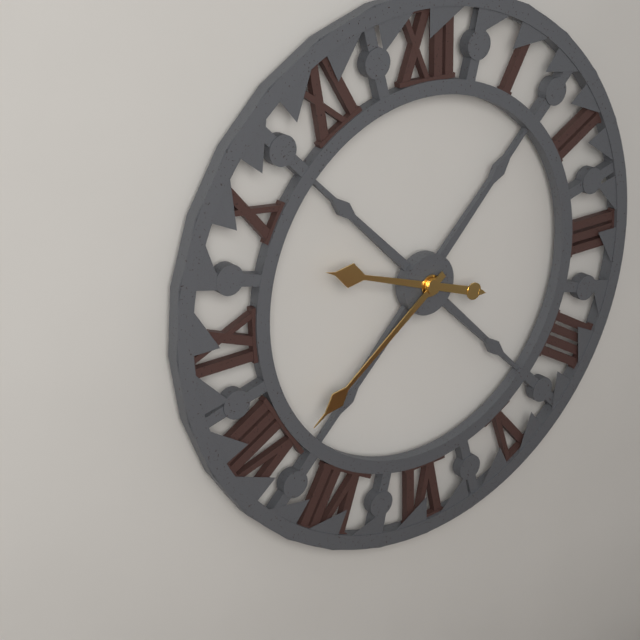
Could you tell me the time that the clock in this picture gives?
9:39
